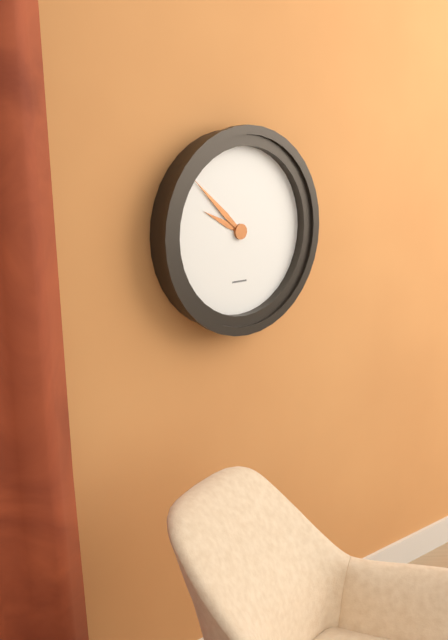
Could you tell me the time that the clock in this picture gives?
9:52
